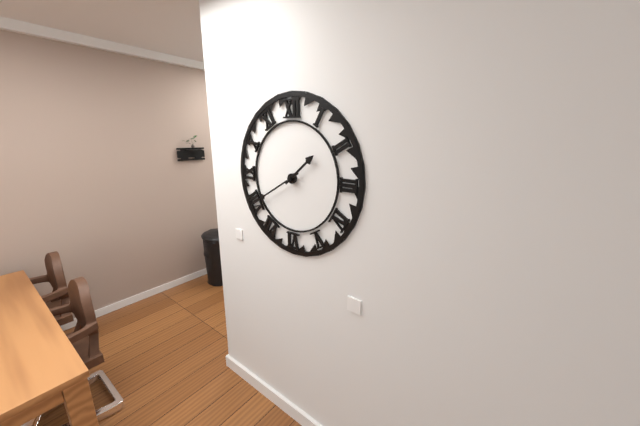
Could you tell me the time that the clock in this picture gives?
1:40
